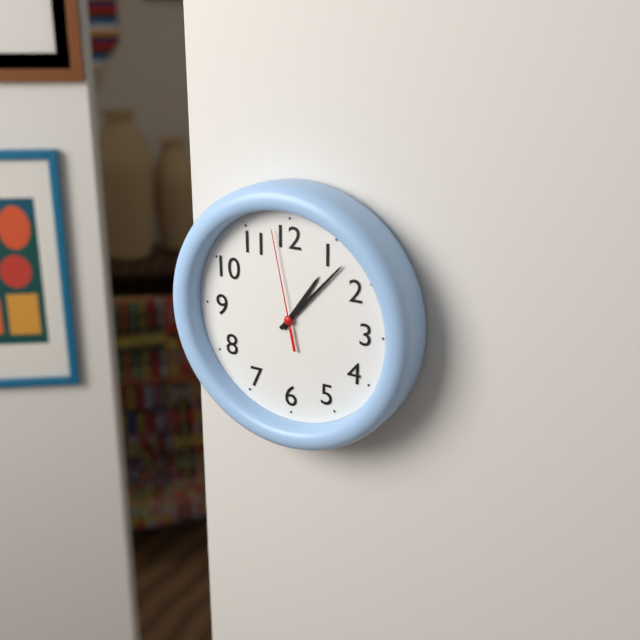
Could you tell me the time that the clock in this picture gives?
1:07:58
